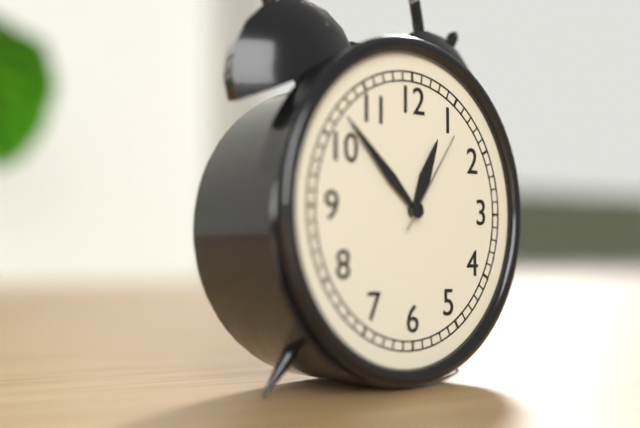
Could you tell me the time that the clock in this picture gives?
12:52:06
